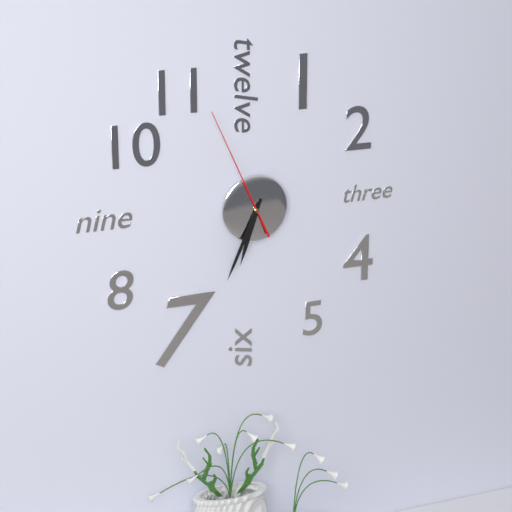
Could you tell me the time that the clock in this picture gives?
6:34:56
